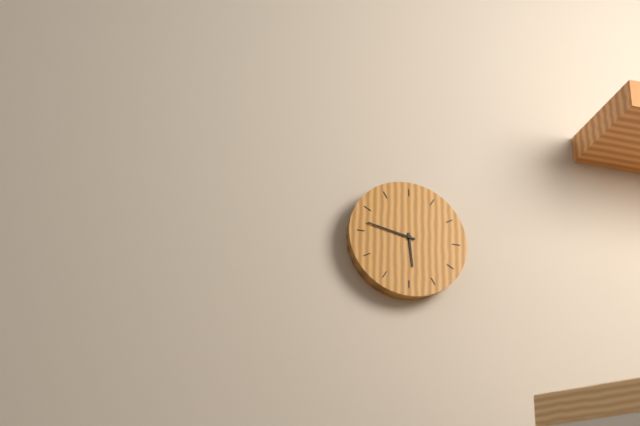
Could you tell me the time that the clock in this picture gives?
5:47
